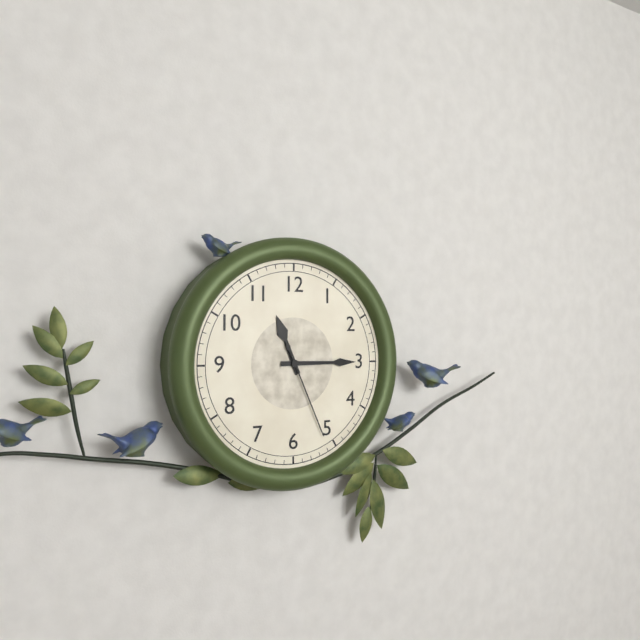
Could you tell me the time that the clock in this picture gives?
11:15:26
